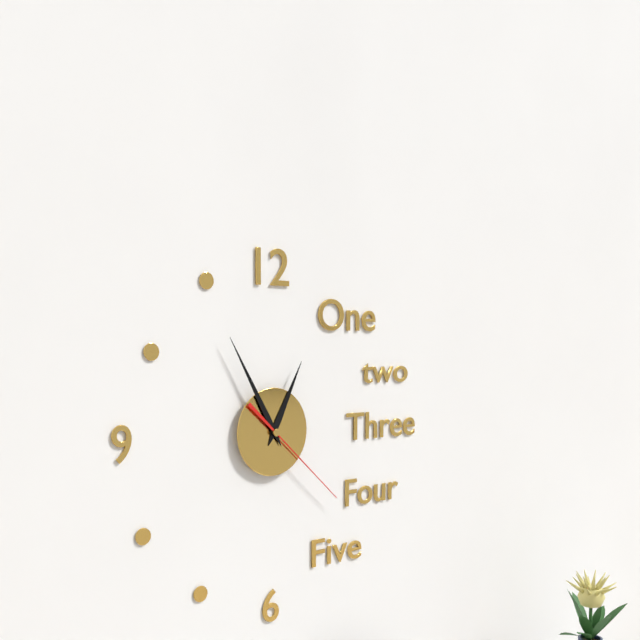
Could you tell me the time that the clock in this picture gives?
12:55:22
